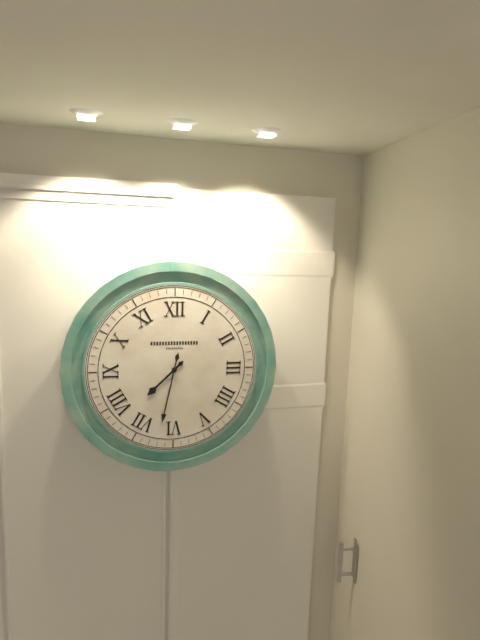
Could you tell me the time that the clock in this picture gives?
7:32
